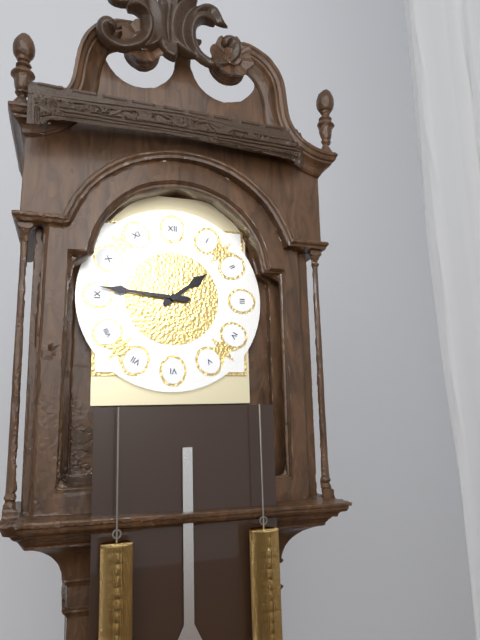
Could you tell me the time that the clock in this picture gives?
1:46
